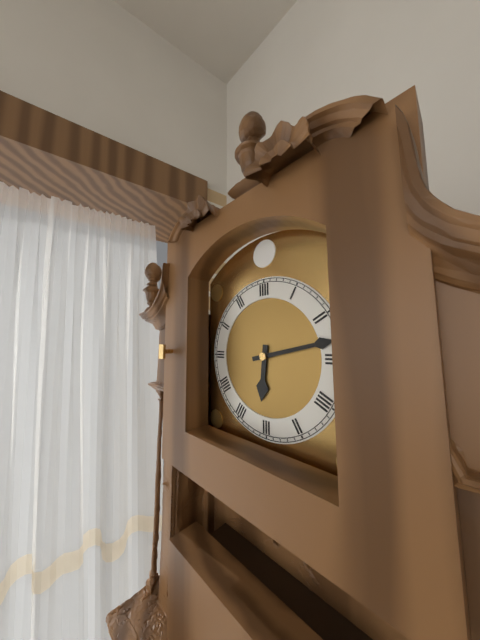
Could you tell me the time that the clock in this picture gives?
6:13
